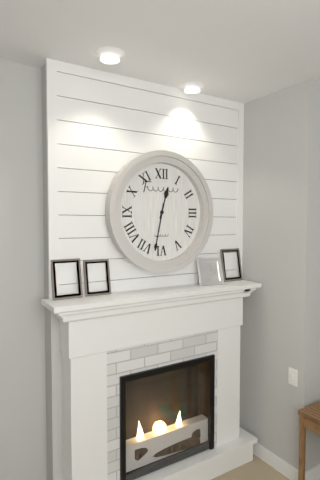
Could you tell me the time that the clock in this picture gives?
12:32
